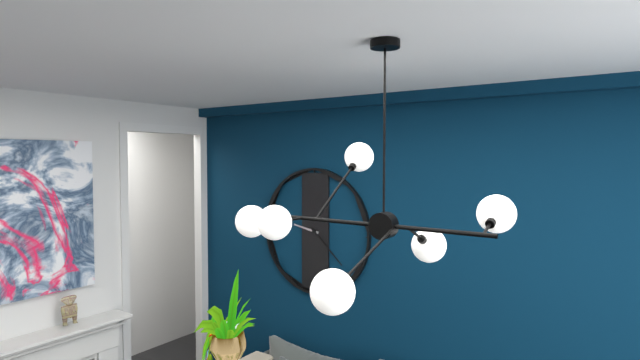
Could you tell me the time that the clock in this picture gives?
9:22
